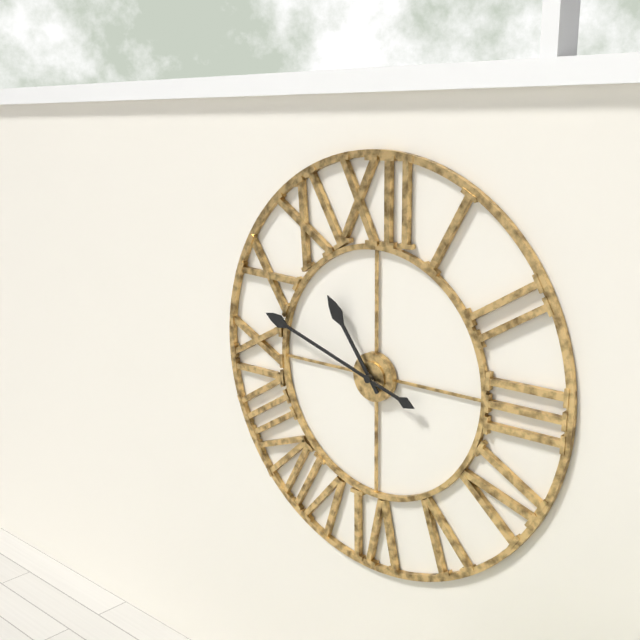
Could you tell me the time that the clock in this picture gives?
10:48
